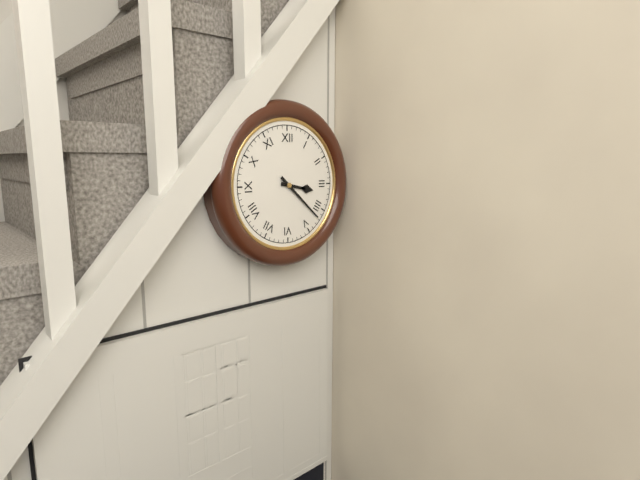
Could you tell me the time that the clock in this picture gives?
3:22
